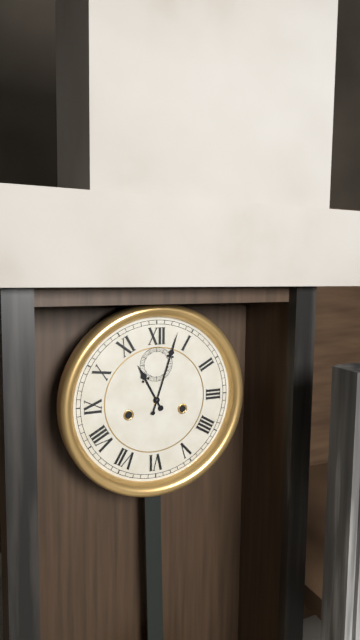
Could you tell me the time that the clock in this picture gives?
11:03
